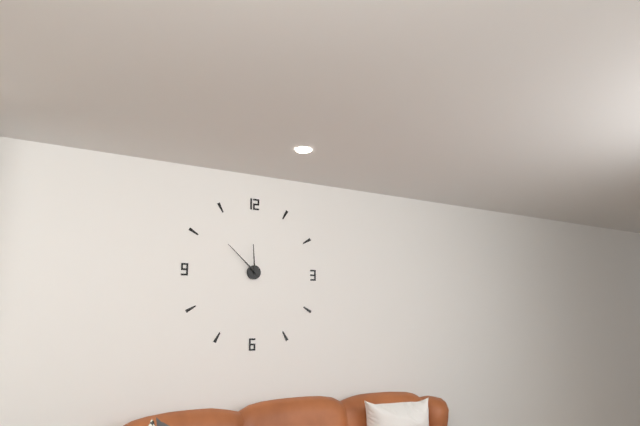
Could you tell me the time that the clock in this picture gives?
11:52
